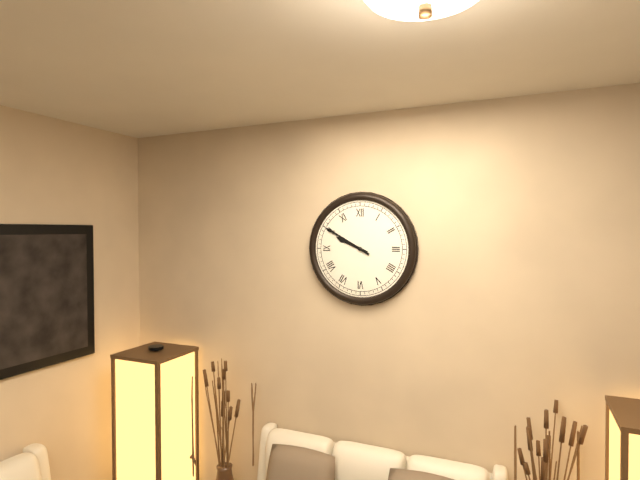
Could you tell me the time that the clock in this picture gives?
9:50
